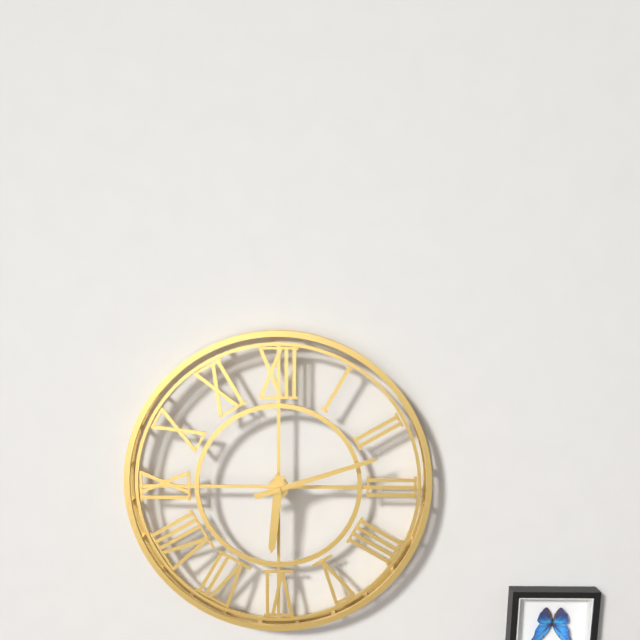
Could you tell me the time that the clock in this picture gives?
6:12
